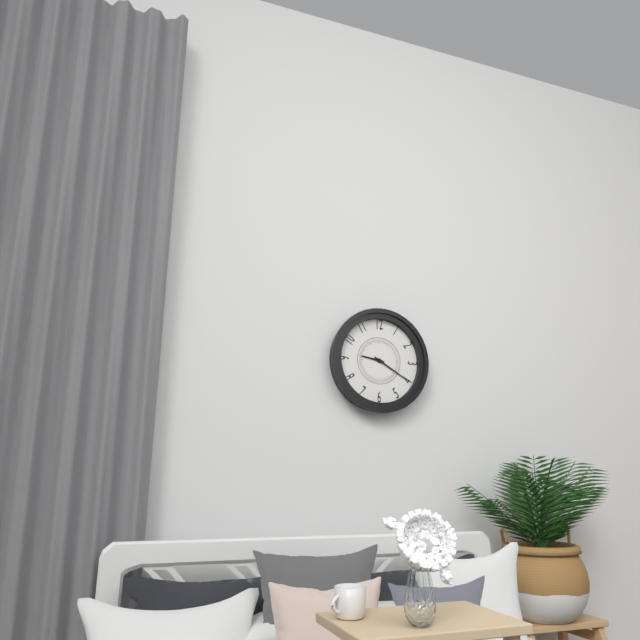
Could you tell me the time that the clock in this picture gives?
9:20
